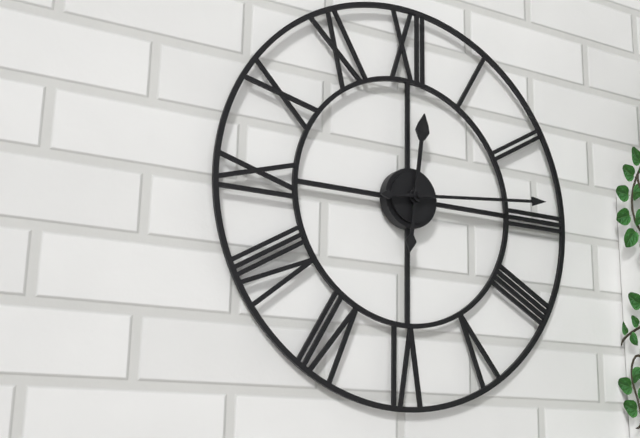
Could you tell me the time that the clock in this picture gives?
12:14
